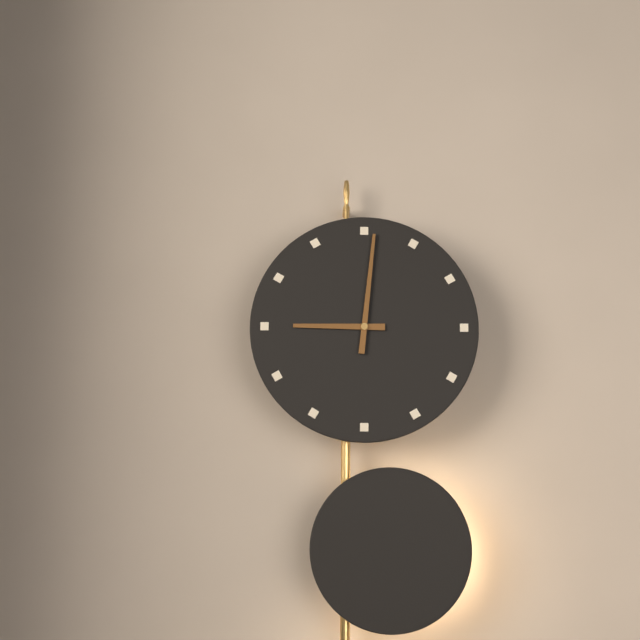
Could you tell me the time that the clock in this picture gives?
9:01
